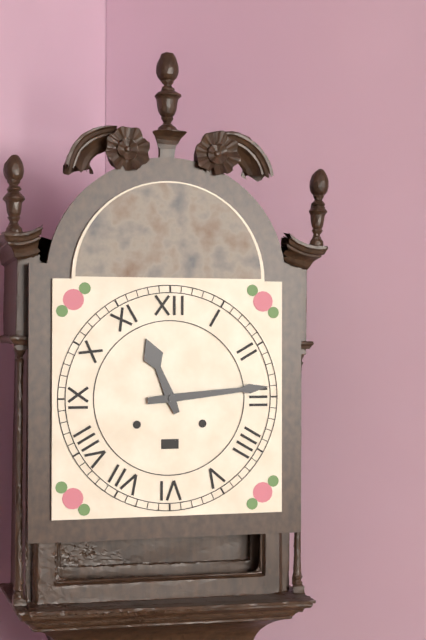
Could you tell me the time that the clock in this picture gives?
11:14
